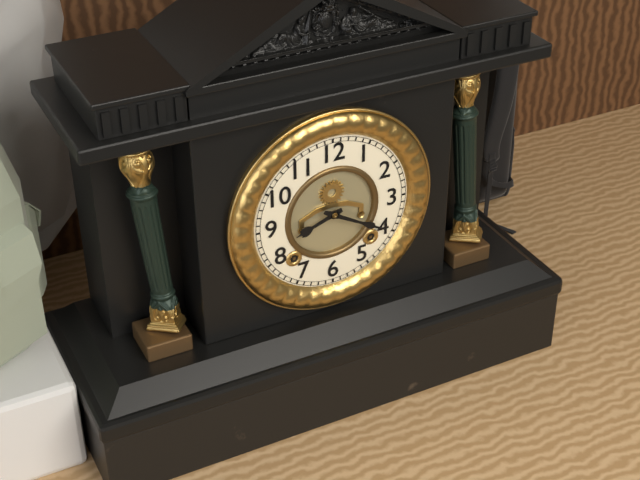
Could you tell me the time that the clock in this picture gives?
8:20
